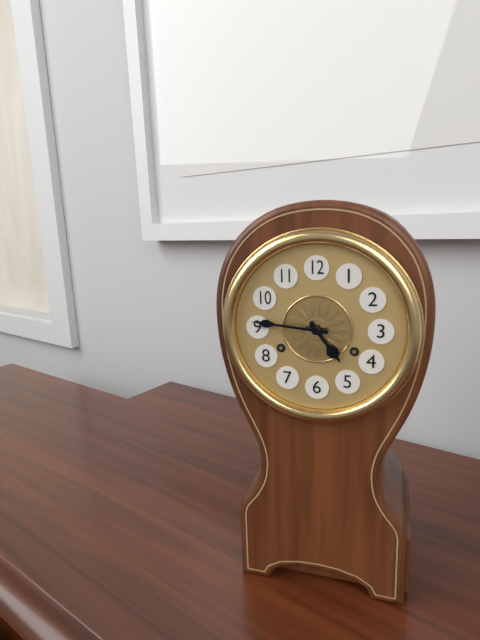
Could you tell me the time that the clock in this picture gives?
4:46
